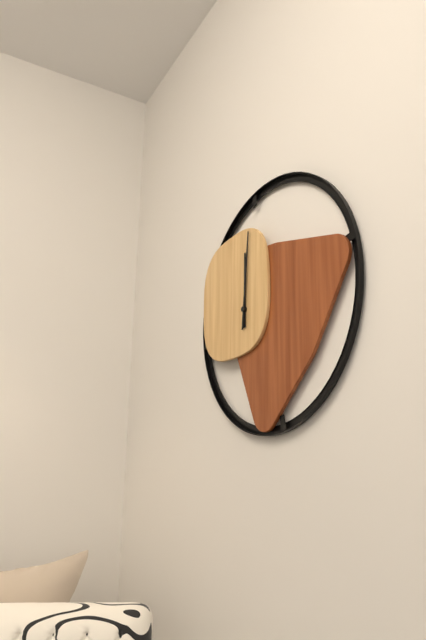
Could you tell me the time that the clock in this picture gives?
12:01
